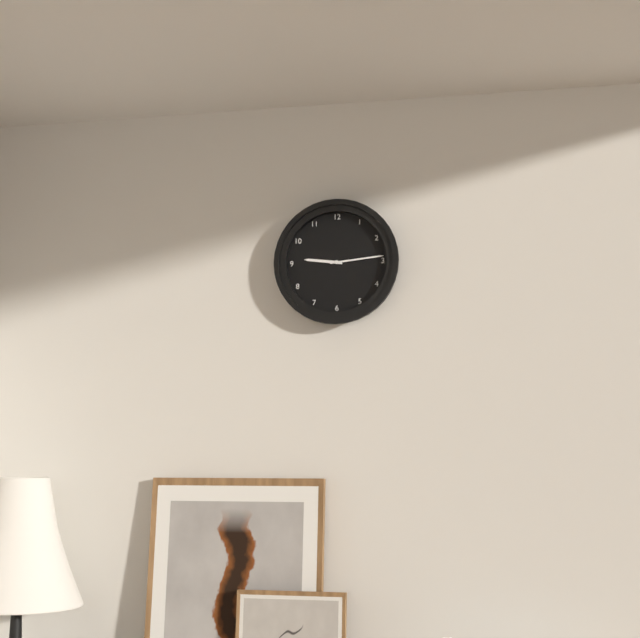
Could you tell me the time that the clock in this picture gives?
9:14
